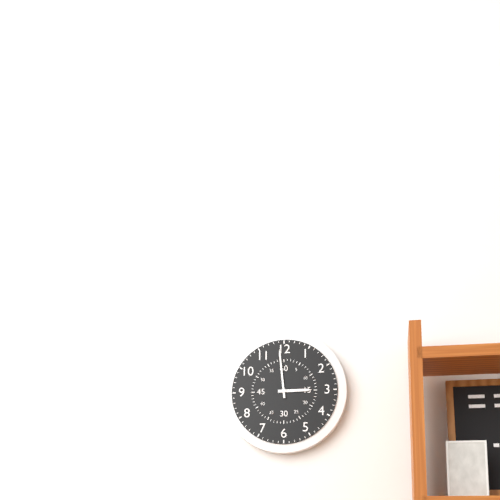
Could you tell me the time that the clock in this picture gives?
2:59
